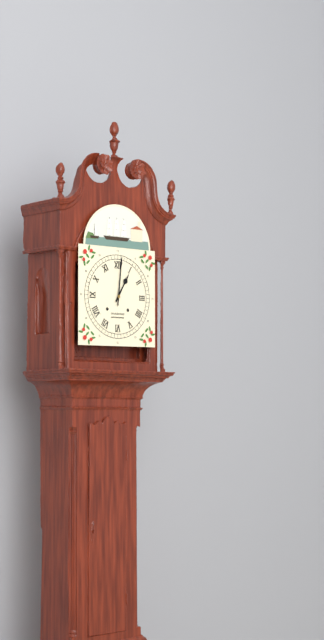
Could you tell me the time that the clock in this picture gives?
1:01
